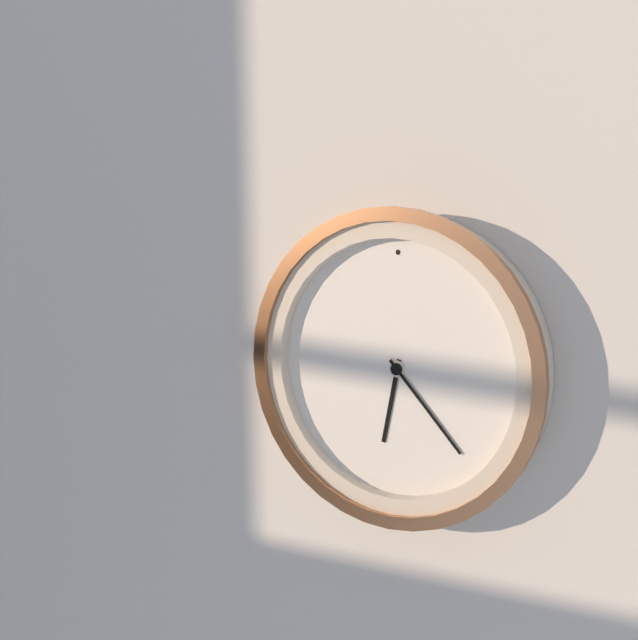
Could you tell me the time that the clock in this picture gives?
6:23
